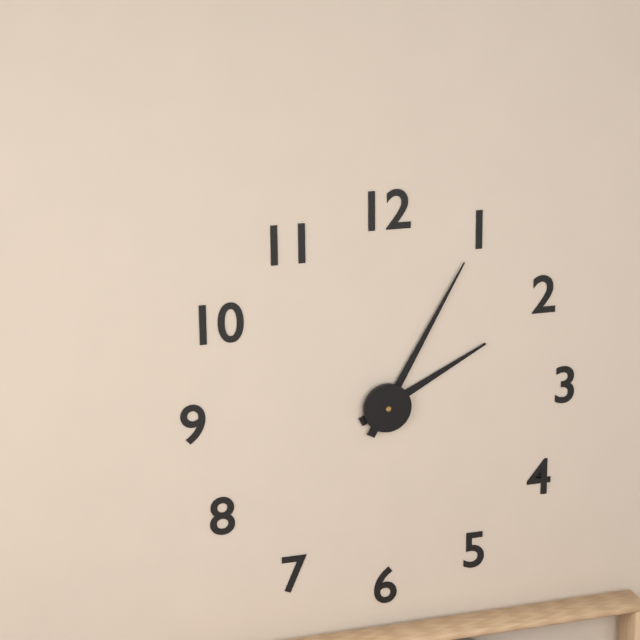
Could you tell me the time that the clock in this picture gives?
2:05
